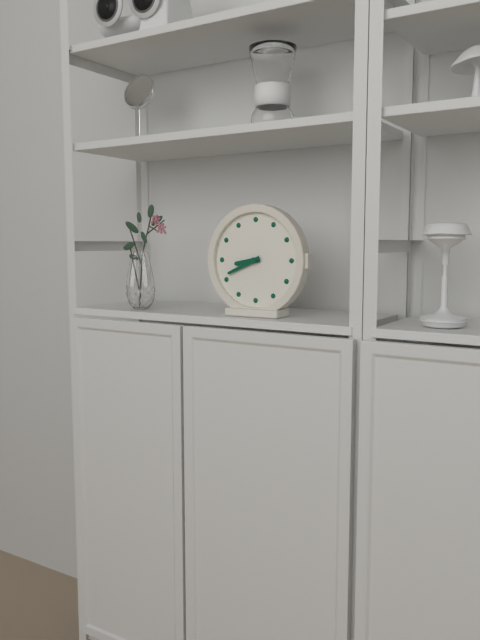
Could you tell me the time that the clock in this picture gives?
8:41
